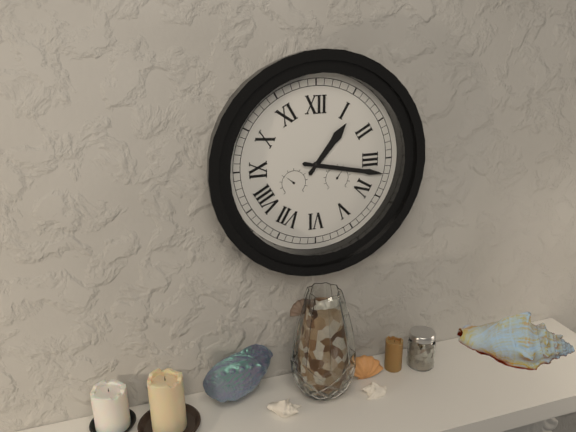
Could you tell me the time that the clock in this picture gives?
1:17
